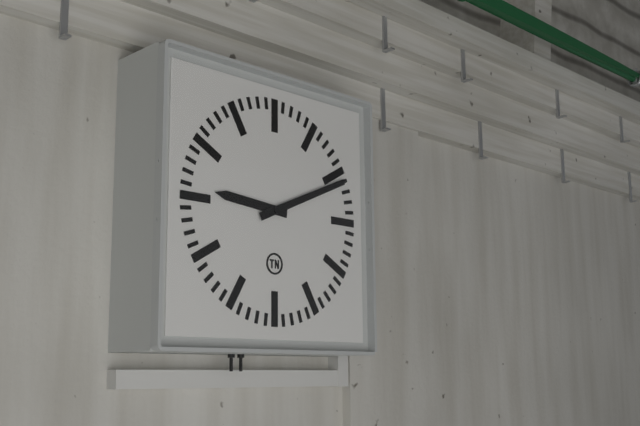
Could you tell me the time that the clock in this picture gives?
9:11
